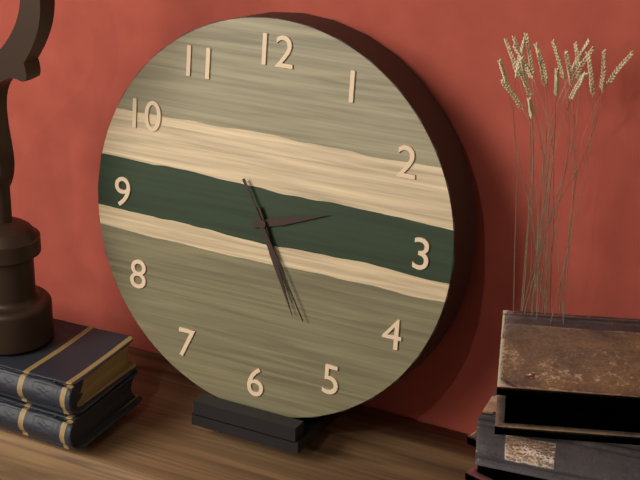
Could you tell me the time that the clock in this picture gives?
2:26:25
